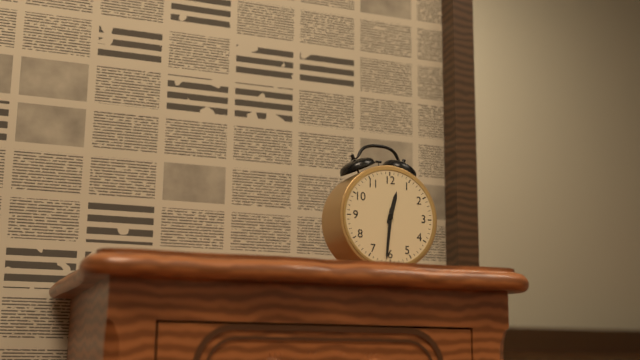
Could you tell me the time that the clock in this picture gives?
12:31
